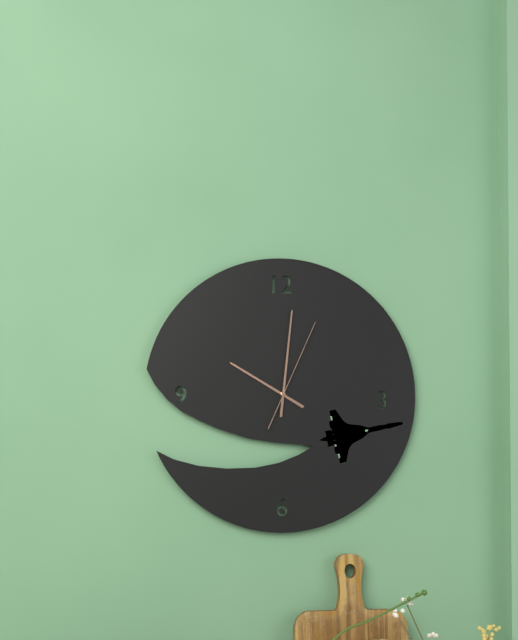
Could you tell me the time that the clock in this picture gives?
10:01:04
